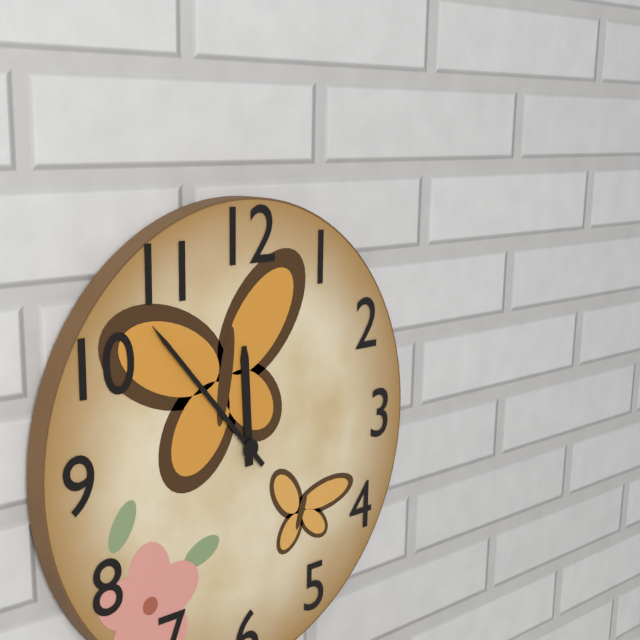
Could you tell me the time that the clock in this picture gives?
11:53
